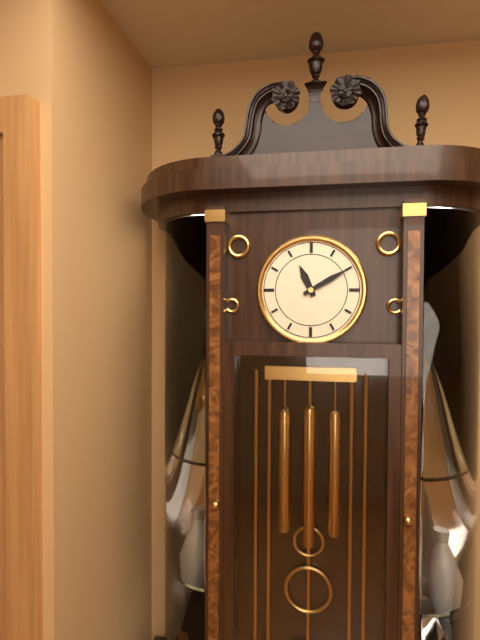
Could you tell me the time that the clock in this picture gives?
11:10
